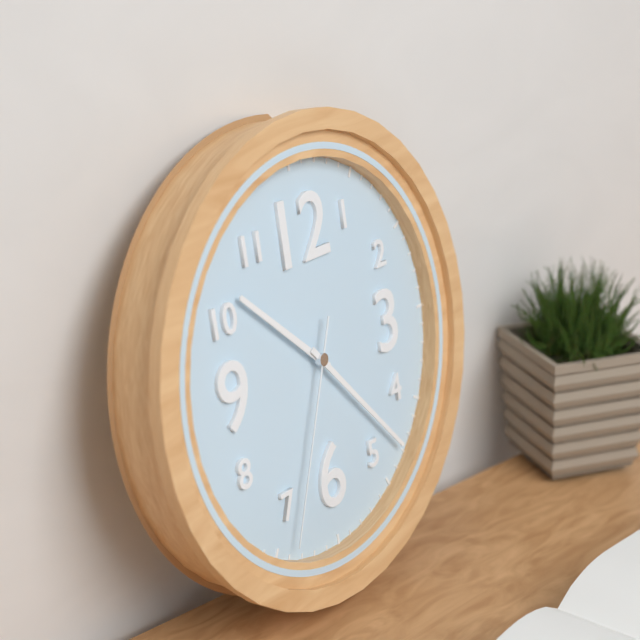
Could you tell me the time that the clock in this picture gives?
10:23:34
